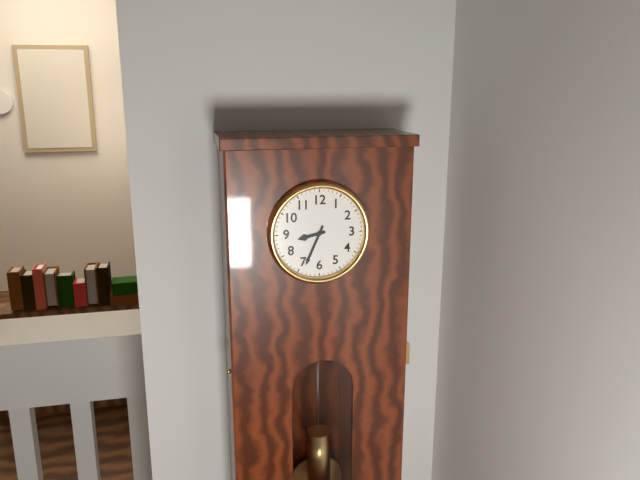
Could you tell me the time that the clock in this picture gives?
8:34
